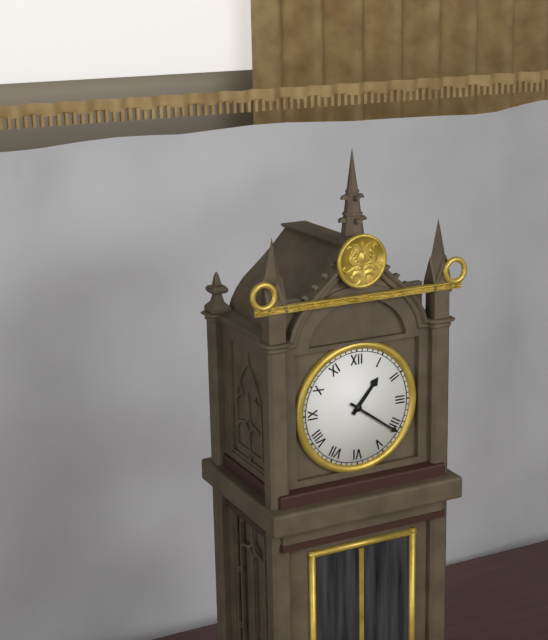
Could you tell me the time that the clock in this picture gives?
1:21
